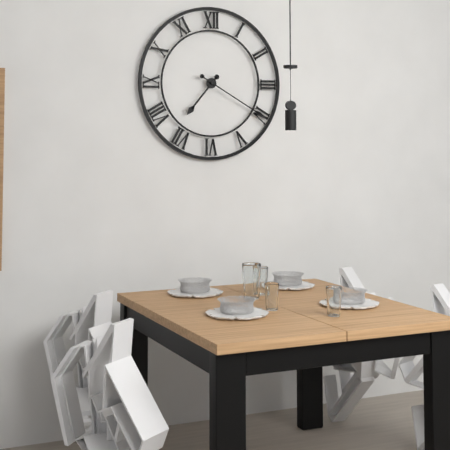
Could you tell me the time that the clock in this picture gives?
7:20
